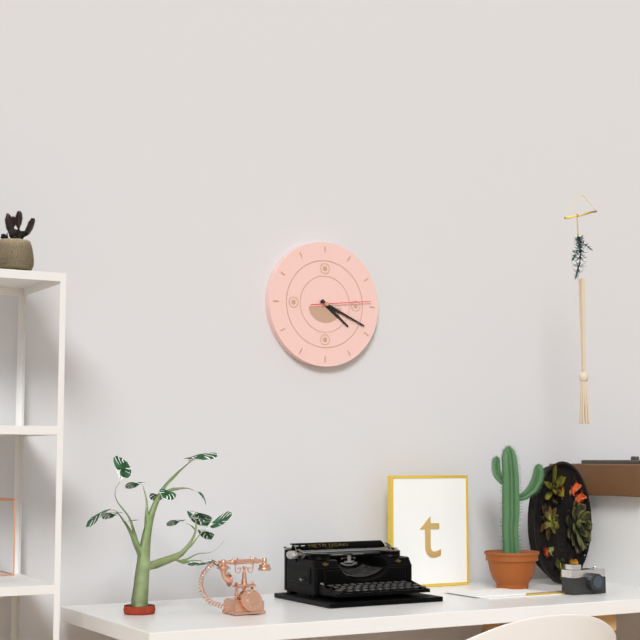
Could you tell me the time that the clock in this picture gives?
4:19:14
